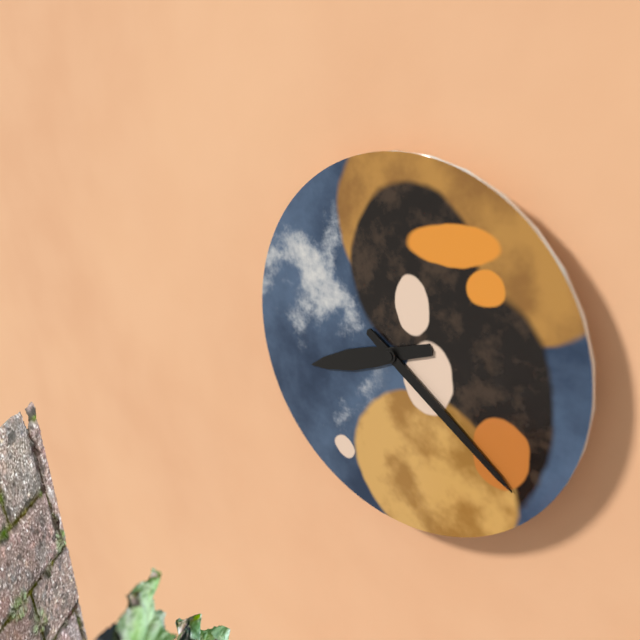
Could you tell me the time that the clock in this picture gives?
8:21
